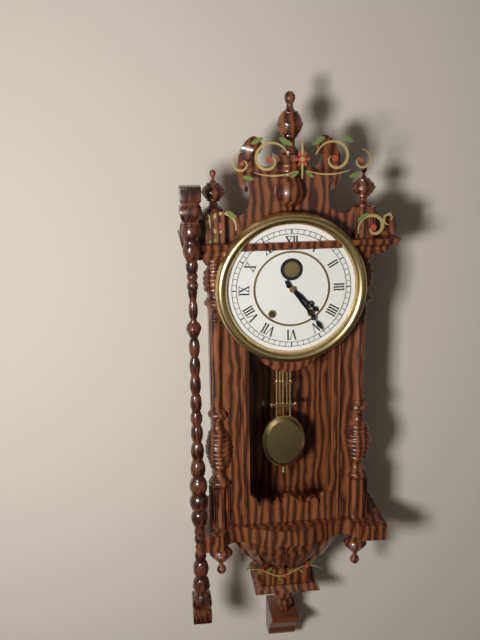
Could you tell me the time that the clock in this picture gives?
4:24
